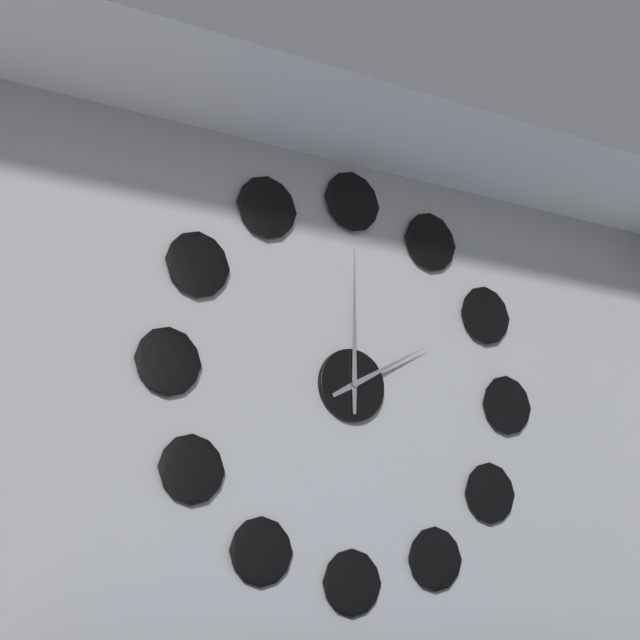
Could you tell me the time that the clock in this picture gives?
2:00
